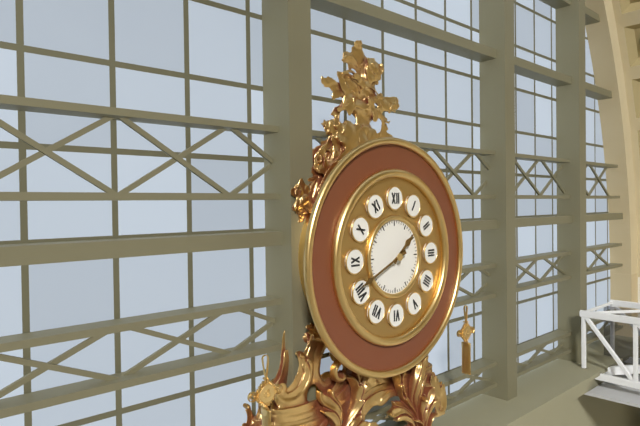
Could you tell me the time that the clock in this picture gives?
1:41
